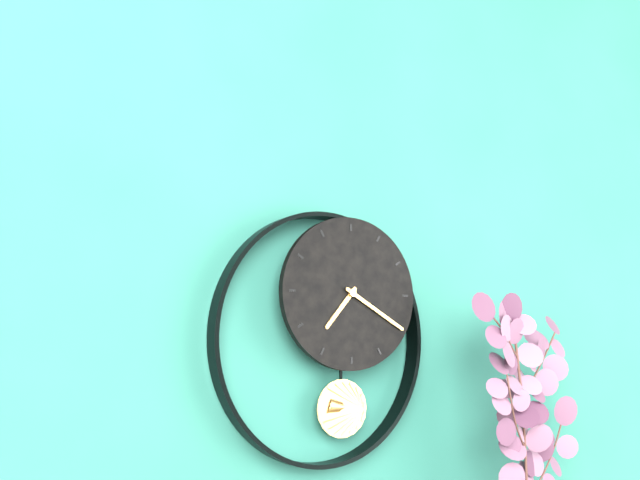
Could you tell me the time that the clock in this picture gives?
7:20
